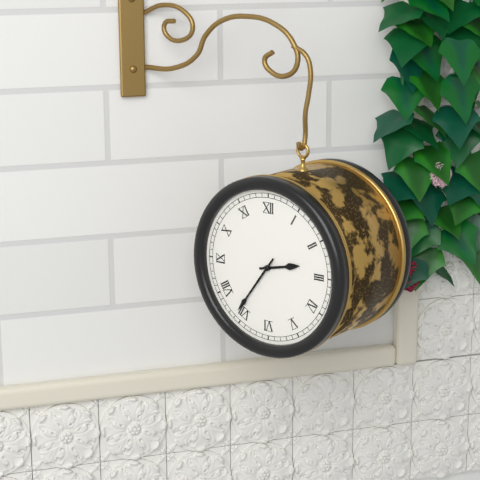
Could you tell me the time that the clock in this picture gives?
2:36
